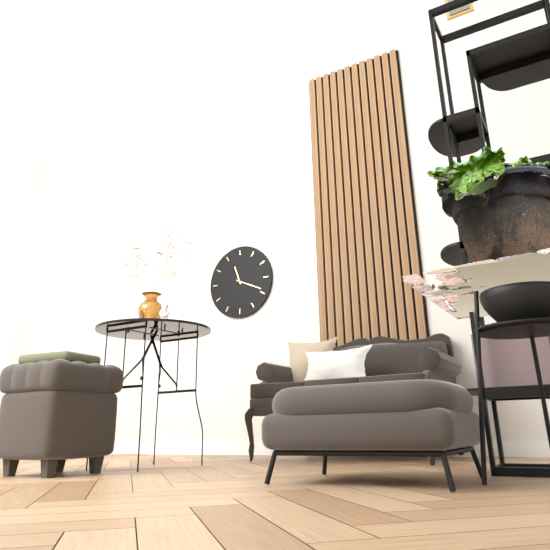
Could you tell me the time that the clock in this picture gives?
11:19
